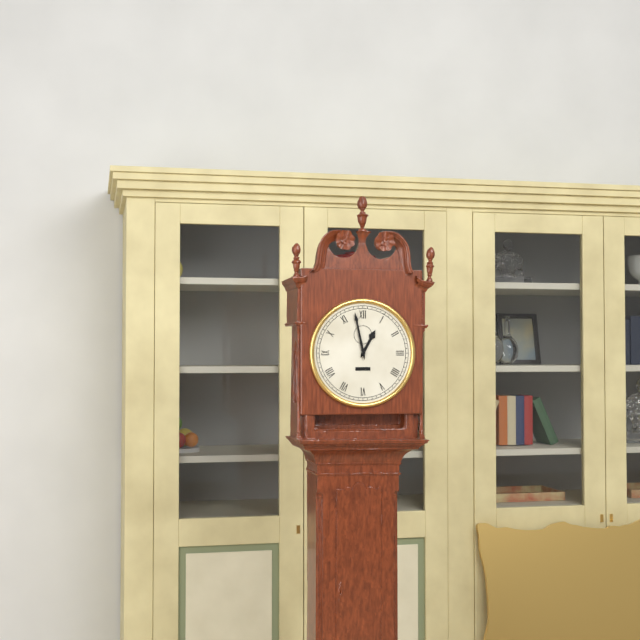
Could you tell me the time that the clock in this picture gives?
12:58
